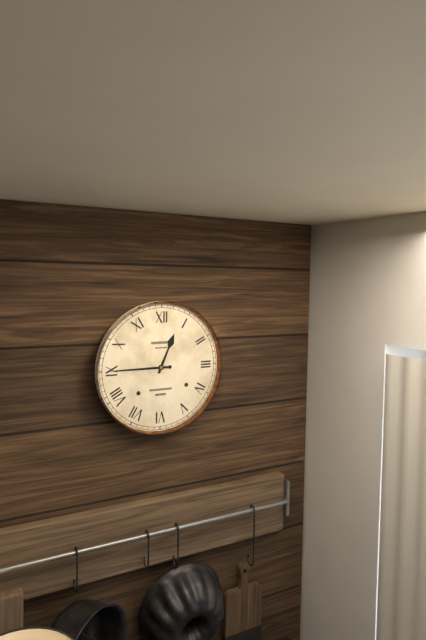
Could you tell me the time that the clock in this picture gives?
12:45
